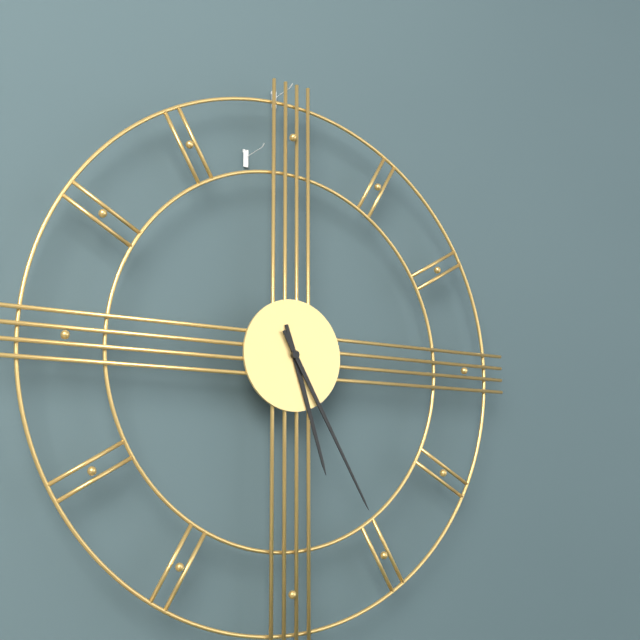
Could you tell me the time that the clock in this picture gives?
5:25
